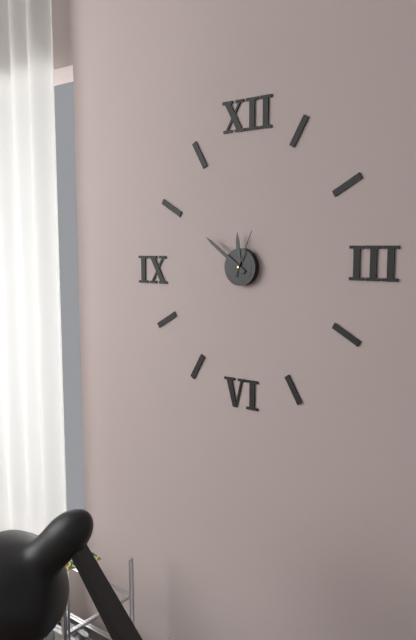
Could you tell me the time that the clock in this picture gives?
11:51
